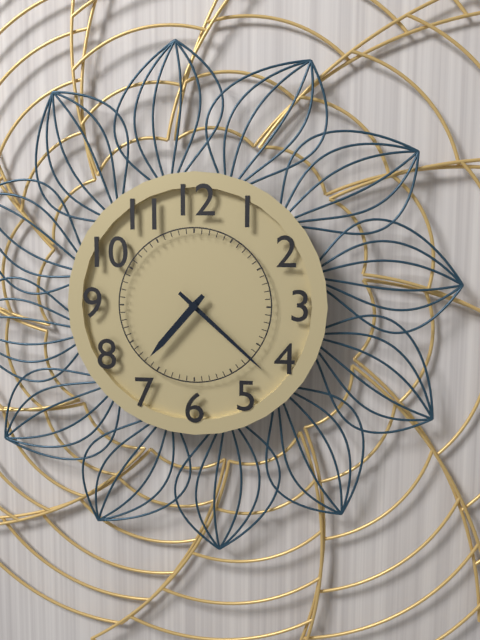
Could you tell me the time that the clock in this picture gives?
7:22
